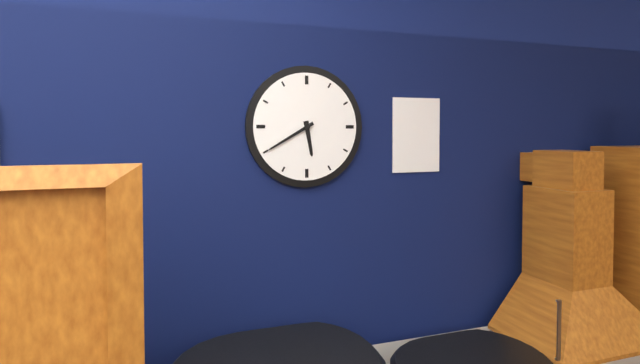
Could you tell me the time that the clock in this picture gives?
5:40
